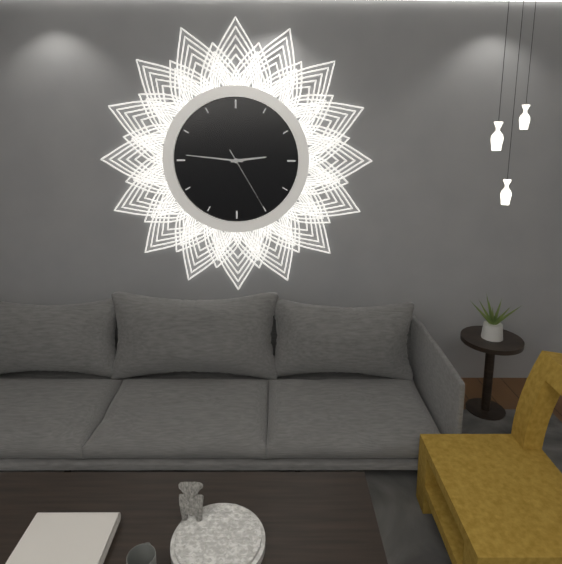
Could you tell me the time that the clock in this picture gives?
2:46:25
